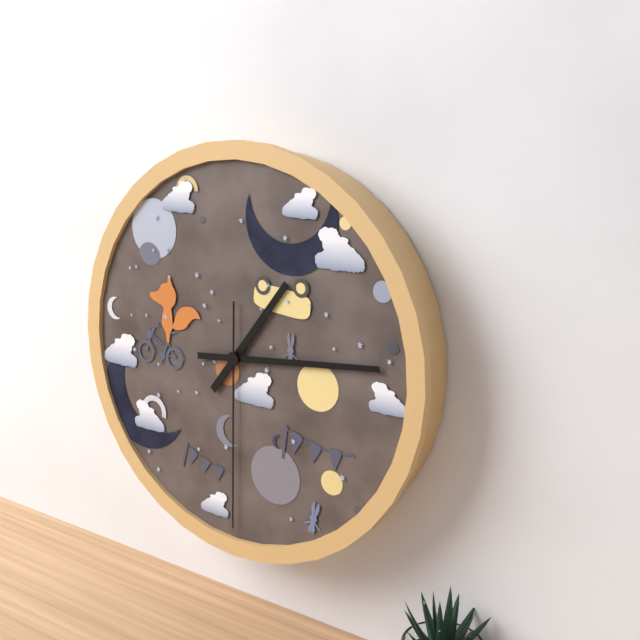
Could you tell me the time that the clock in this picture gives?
1:14:30
